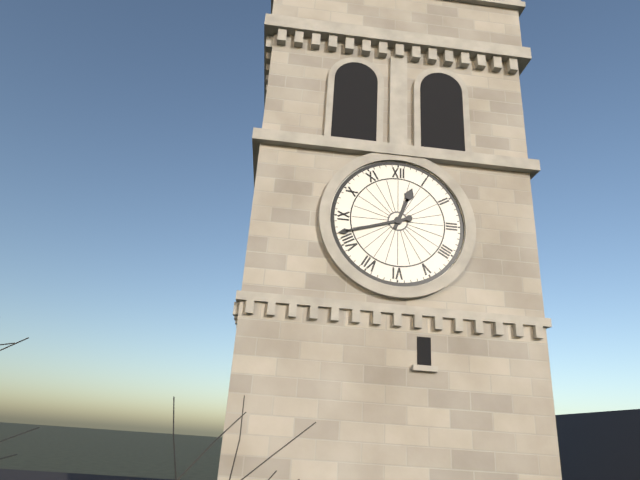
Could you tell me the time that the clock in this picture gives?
12:42
